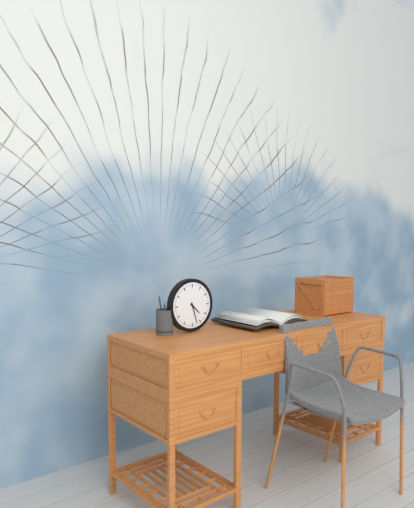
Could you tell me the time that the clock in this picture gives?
4:27
